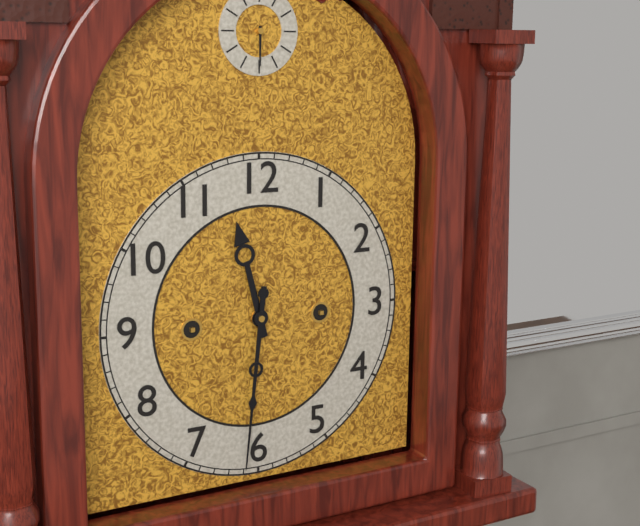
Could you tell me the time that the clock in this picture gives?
11:31
